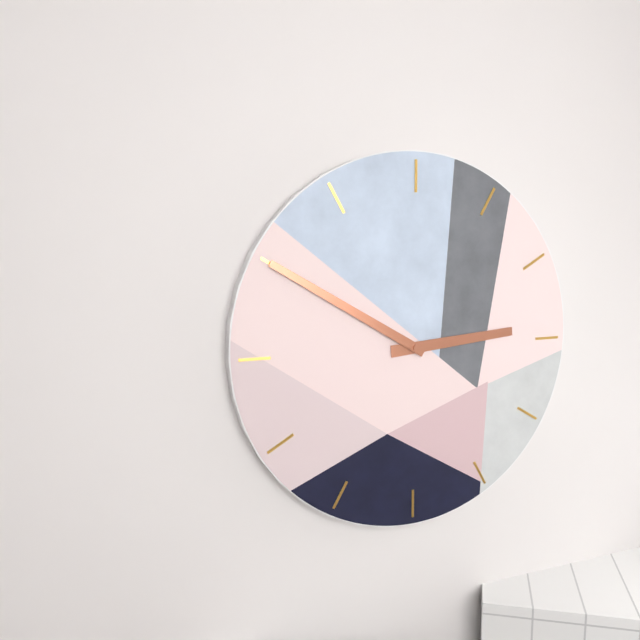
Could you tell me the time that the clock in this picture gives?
2:50
